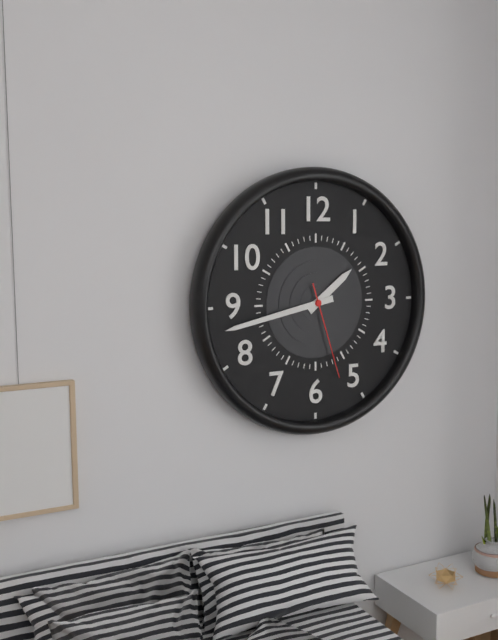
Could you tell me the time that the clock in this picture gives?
1:43:27
